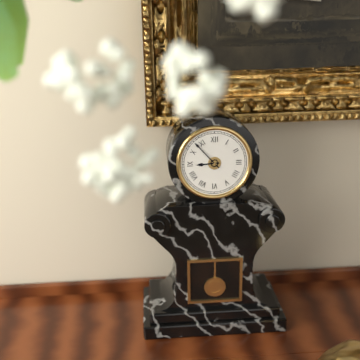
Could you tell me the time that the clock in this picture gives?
8:53
